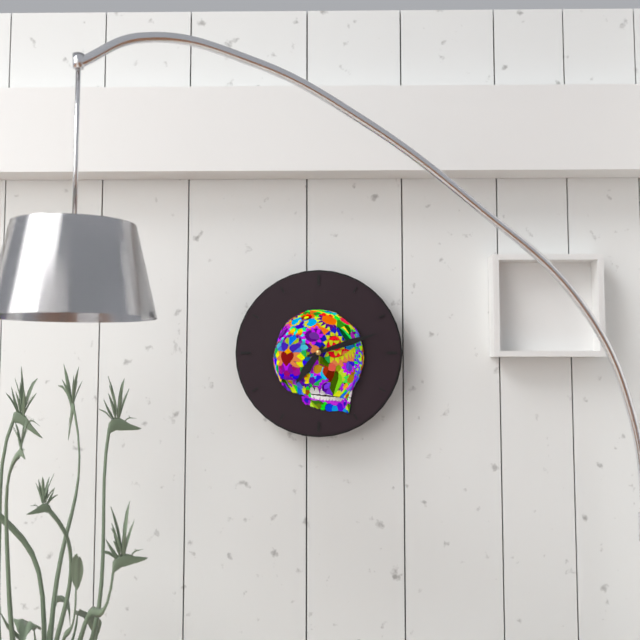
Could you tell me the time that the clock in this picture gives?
7:12
